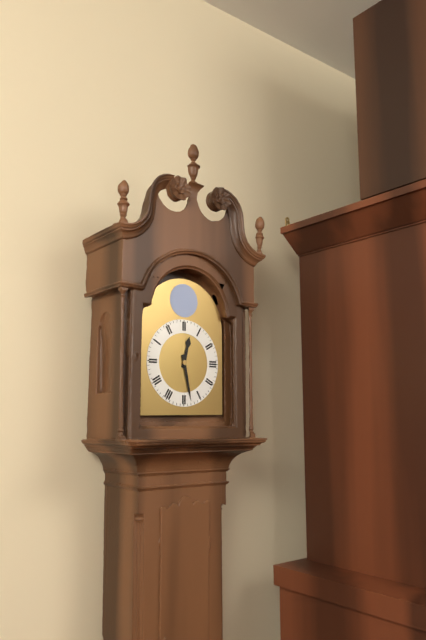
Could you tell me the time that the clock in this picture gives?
12:28
